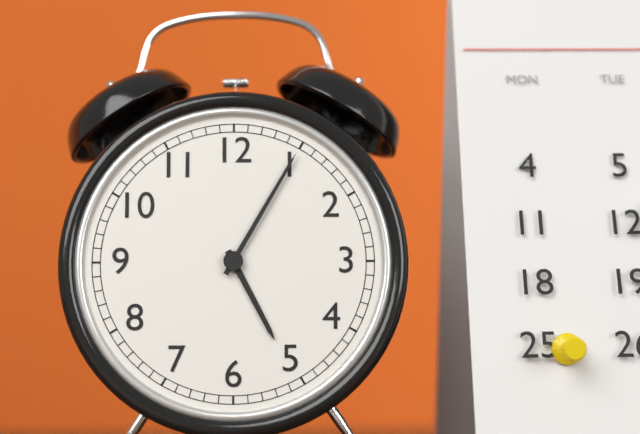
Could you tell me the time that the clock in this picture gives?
5:05
